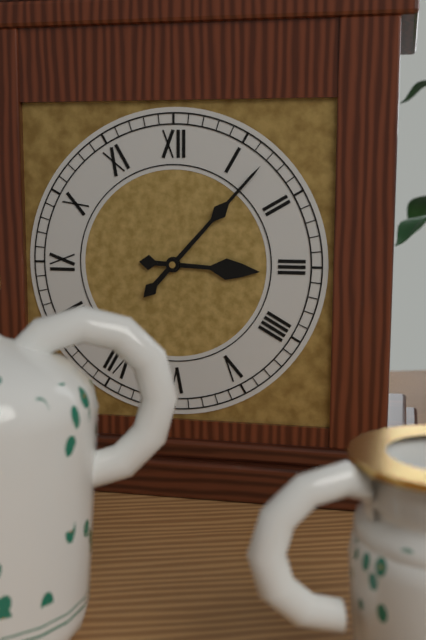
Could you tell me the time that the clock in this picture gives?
3:07
